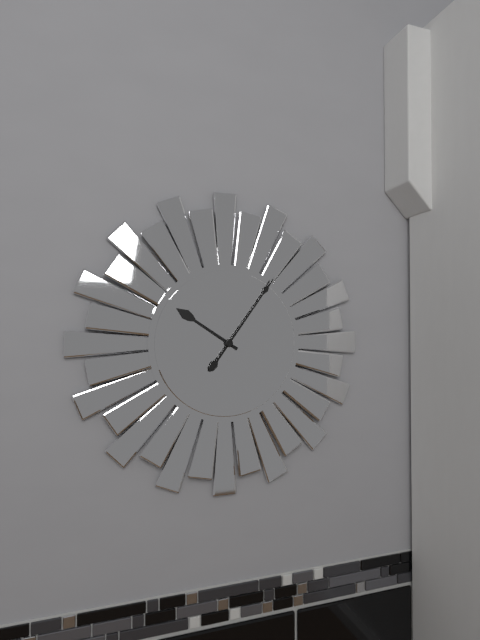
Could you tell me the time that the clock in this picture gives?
10:06
